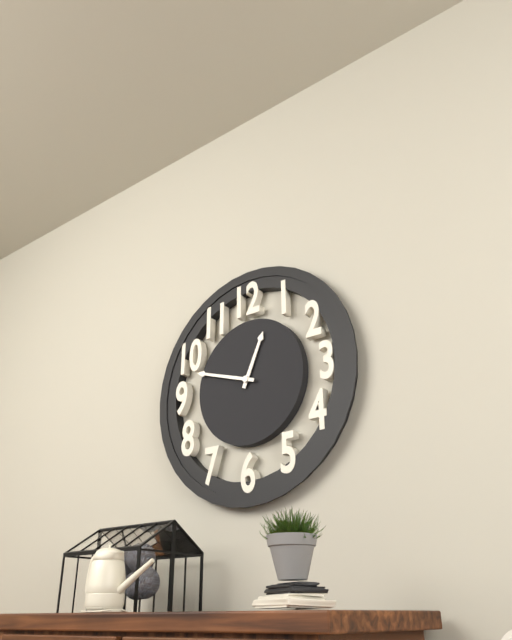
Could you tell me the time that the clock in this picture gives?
12:48
